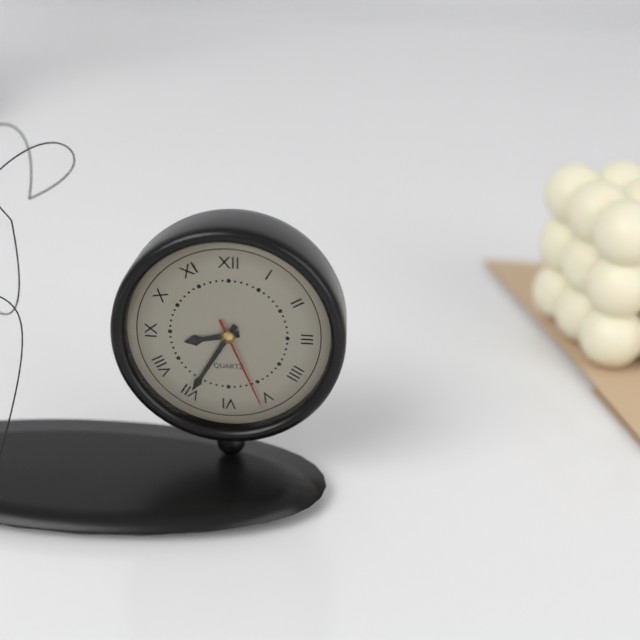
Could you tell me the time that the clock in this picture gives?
8:35:26
